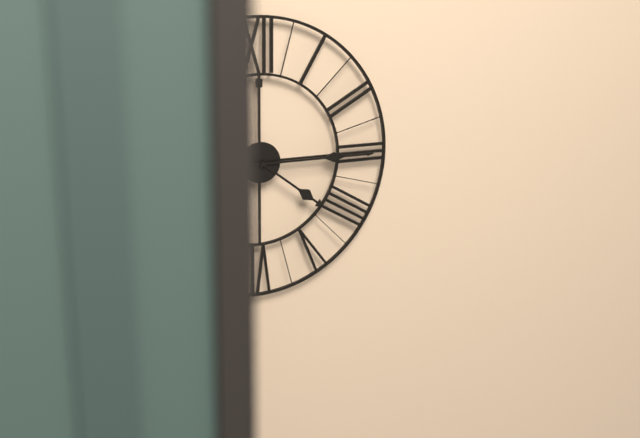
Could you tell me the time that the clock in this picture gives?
4:15
